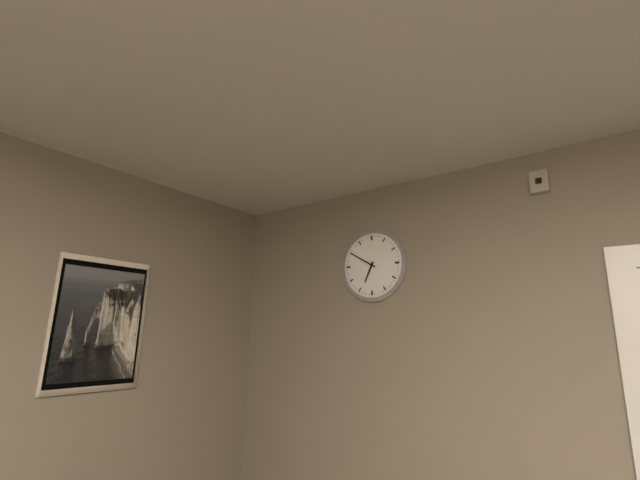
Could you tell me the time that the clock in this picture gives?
6:50
